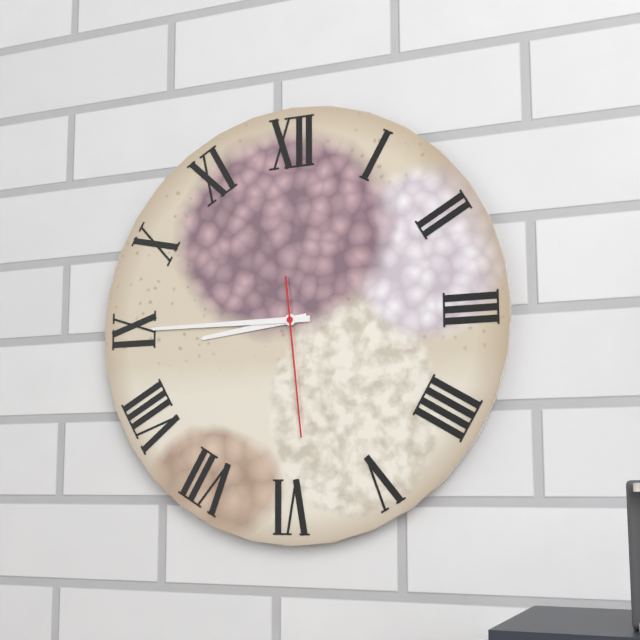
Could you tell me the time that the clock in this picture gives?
8:45:29
